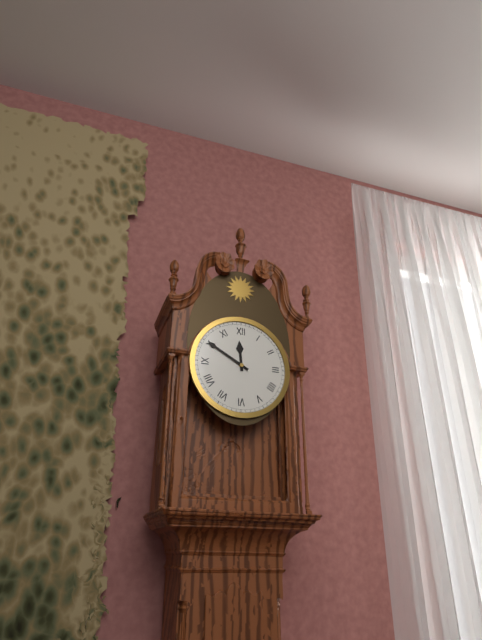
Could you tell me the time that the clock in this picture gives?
11:50
